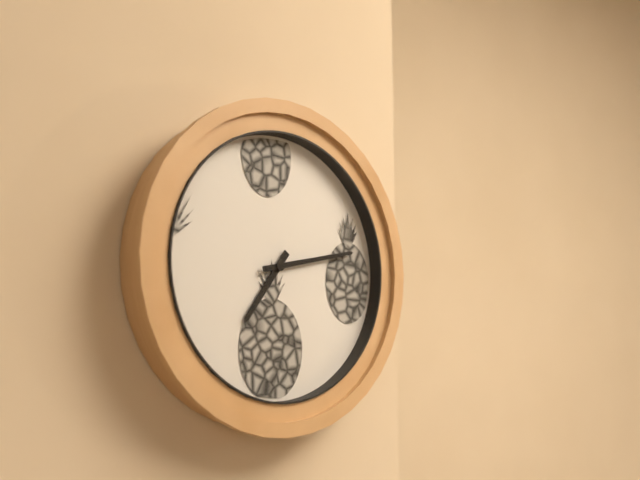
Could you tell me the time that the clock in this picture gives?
7:13
